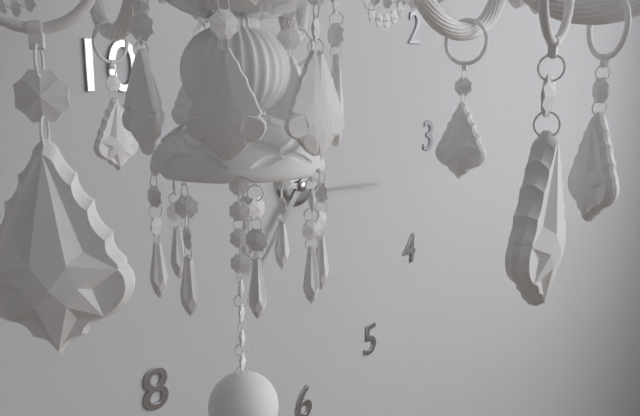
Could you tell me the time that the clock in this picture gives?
7:16
